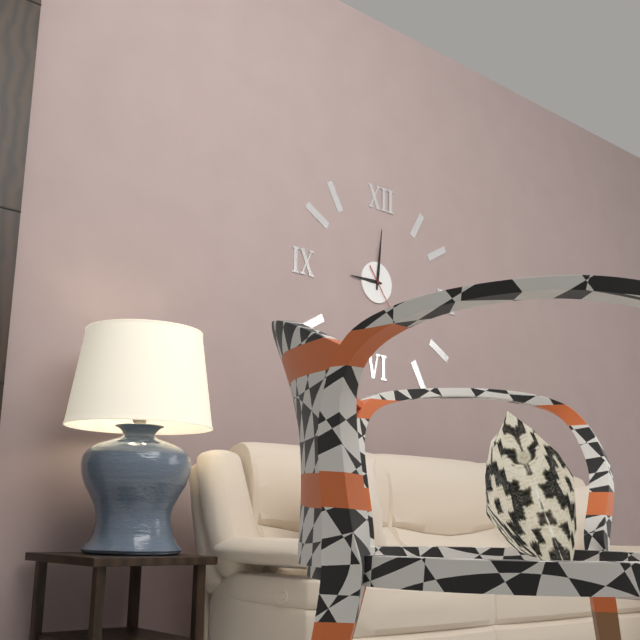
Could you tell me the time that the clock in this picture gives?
9:01
